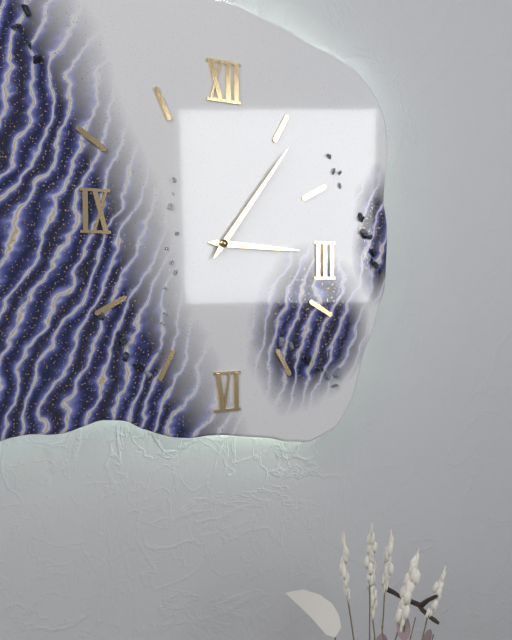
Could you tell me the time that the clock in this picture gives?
3:06
